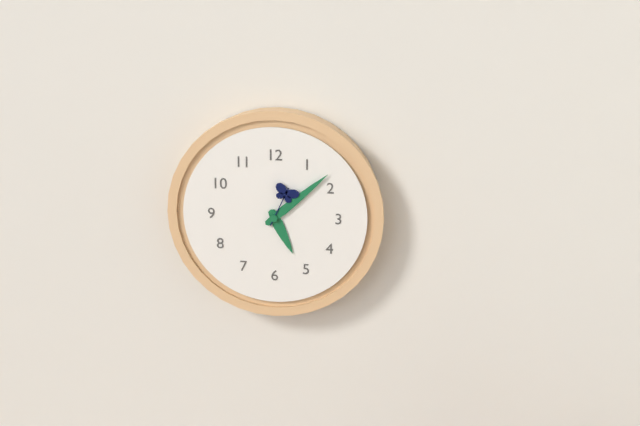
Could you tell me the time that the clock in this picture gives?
5:08
